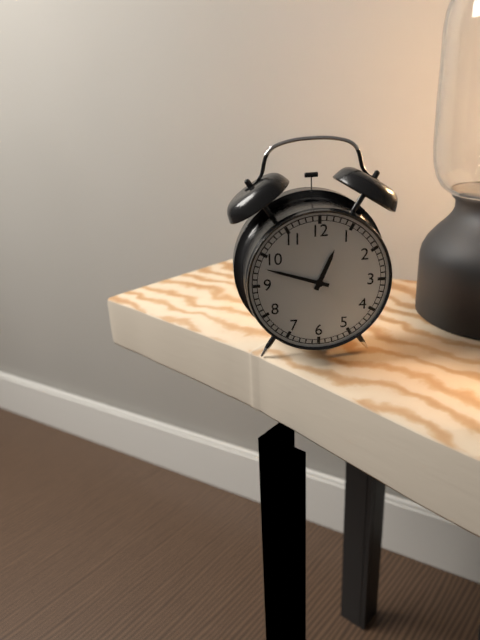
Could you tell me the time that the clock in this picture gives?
12:48
